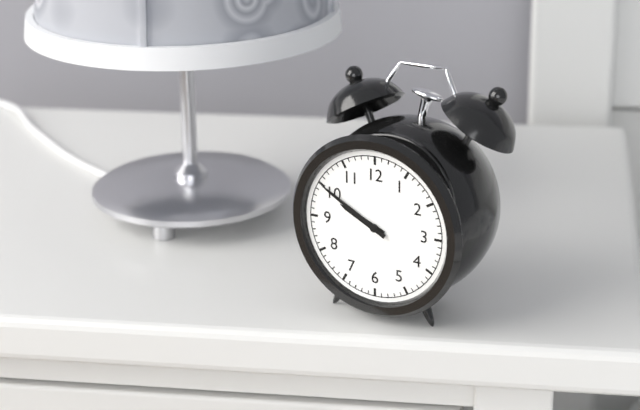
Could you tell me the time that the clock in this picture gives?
9:50
